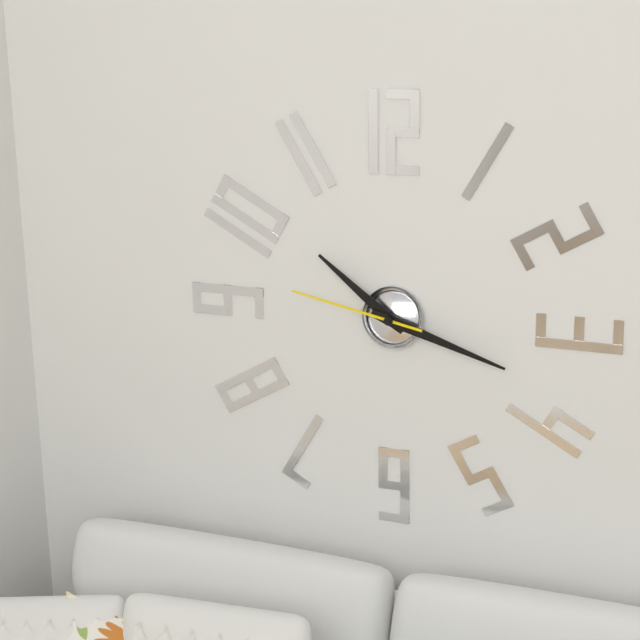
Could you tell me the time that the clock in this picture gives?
10:18:47
